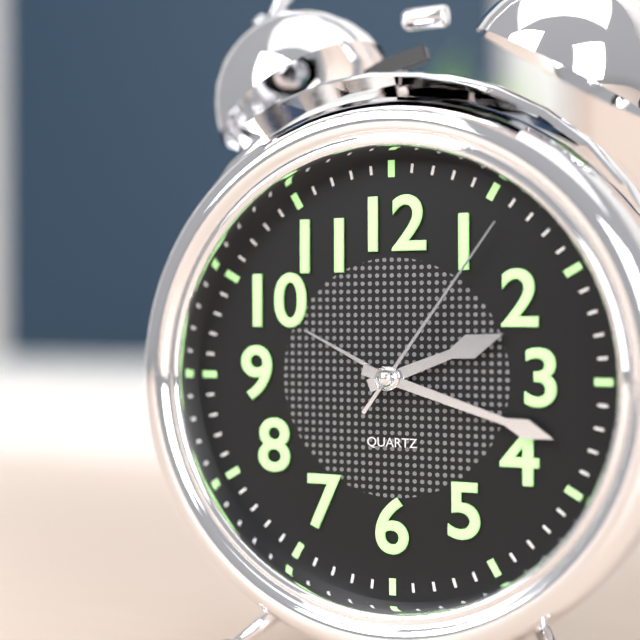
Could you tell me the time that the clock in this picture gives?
2:18:06
